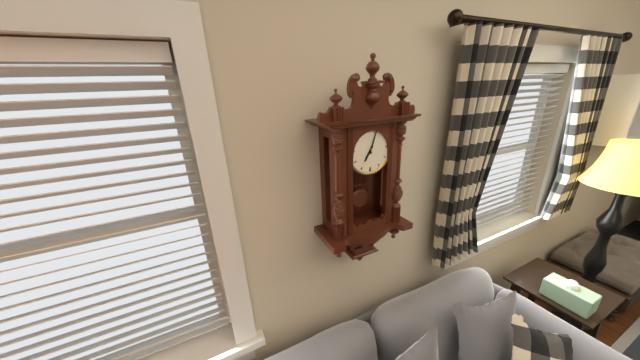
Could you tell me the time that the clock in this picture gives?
7:03
